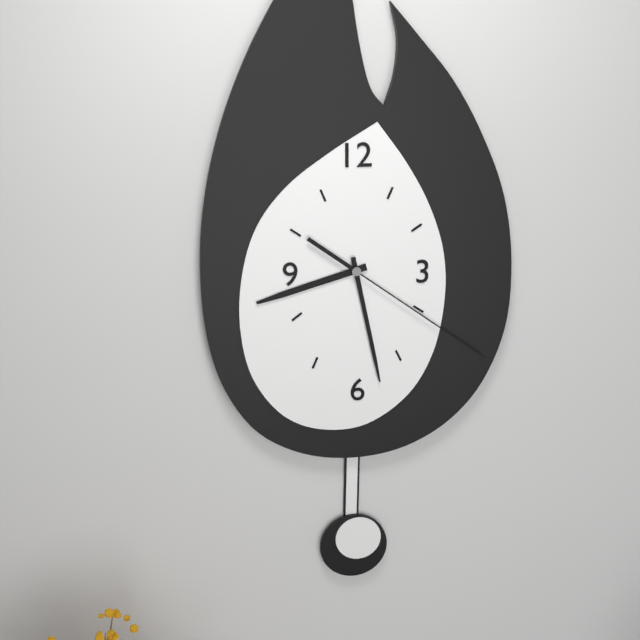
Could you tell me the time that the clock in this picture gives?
8:28:21
